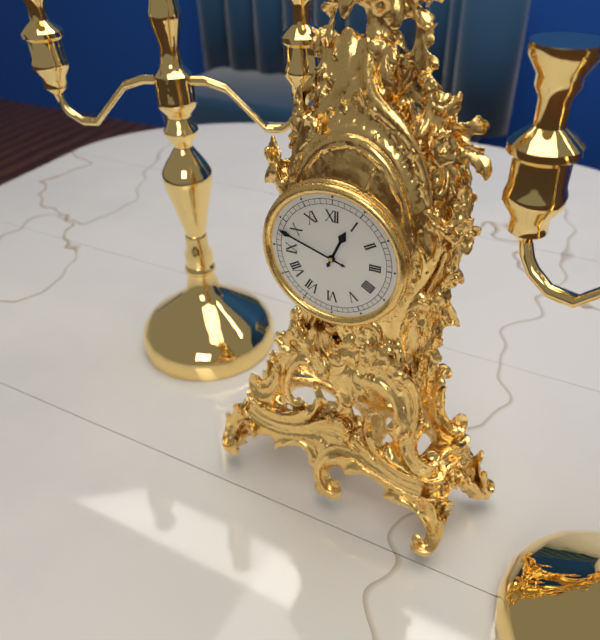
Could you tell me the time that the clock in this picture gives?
12:48
